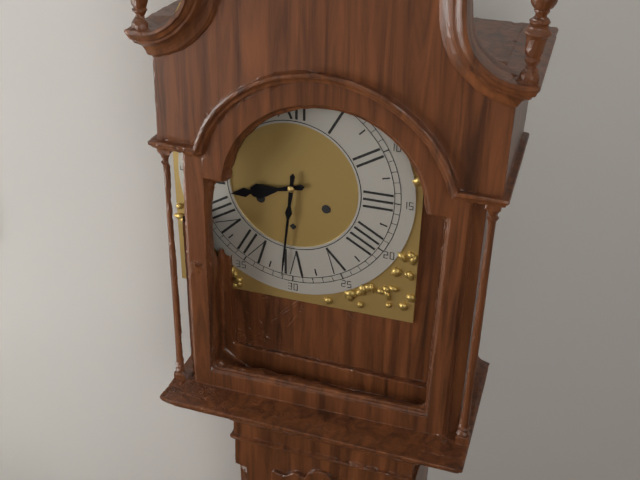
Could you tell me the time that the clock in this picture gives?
8:31
